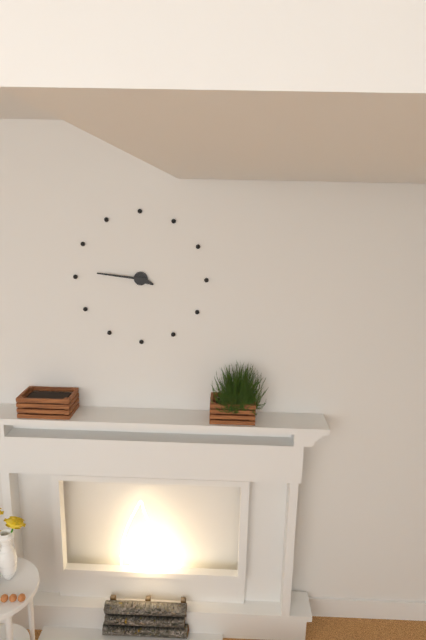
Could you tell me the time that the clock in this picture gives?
3:46
